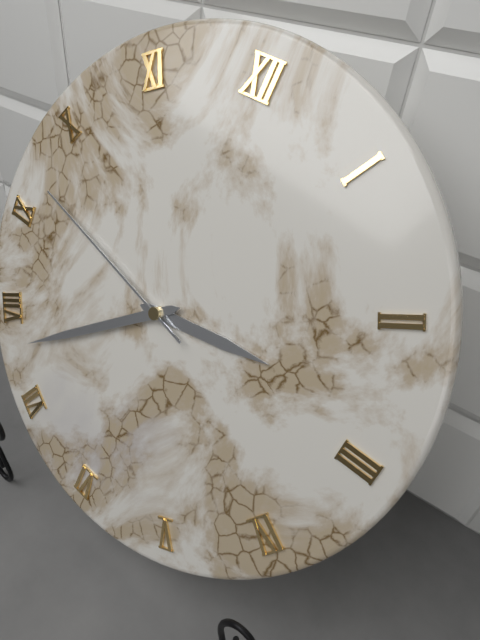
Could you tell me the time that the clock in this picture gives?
2:38:47
